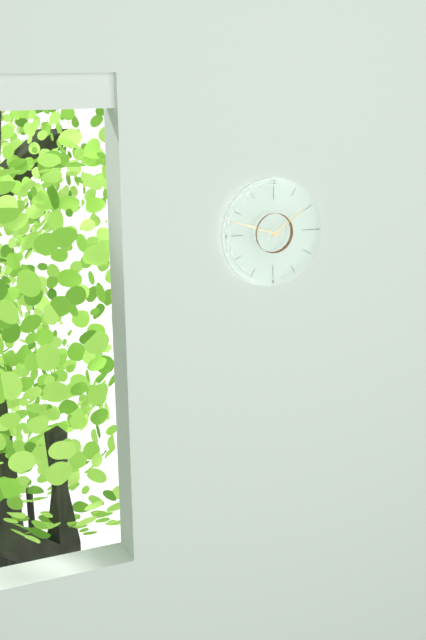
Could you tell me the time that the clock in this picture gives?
1:48
